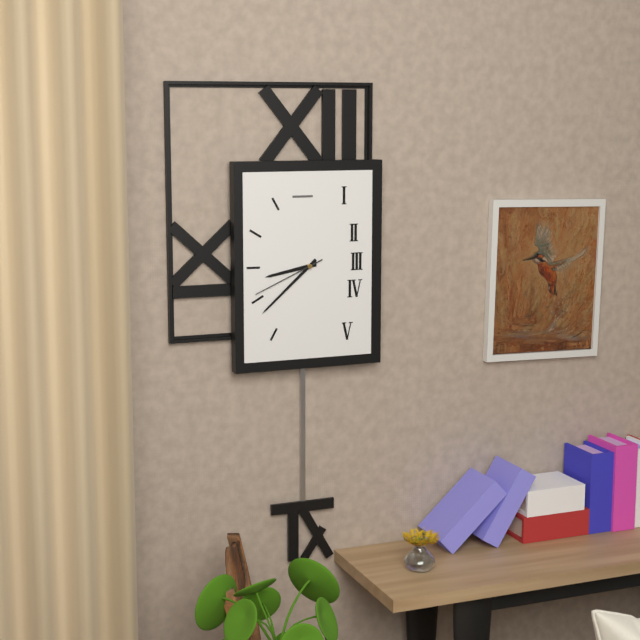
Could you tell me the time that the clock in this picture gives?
8:38:41
